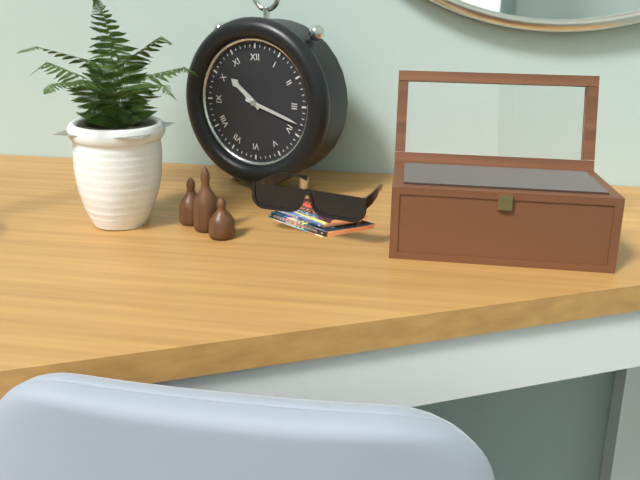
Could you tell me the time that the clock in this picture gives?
10:18
